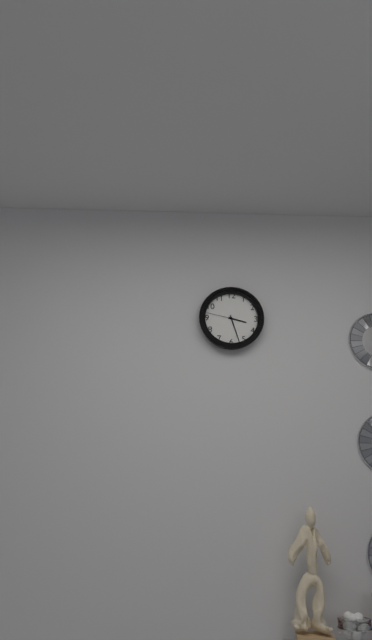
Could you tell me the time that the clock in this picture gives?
3:27
